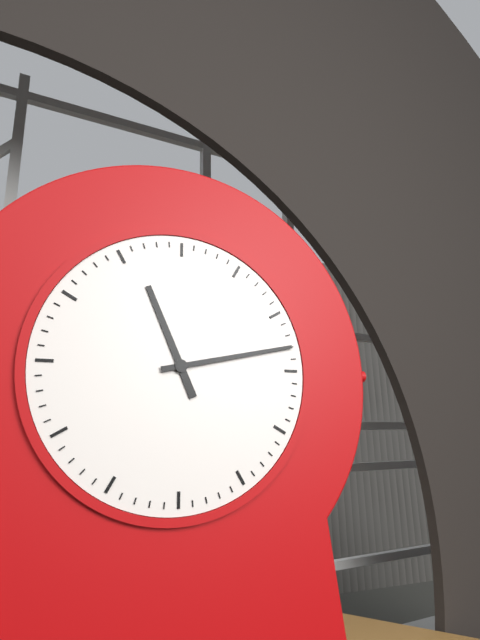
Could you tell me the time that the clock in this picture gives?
11:13
